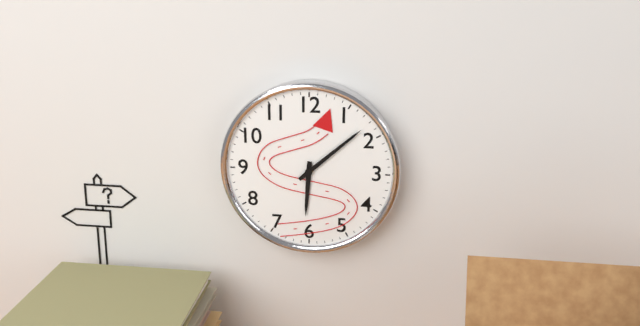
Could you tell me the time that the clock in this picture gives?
6:08
